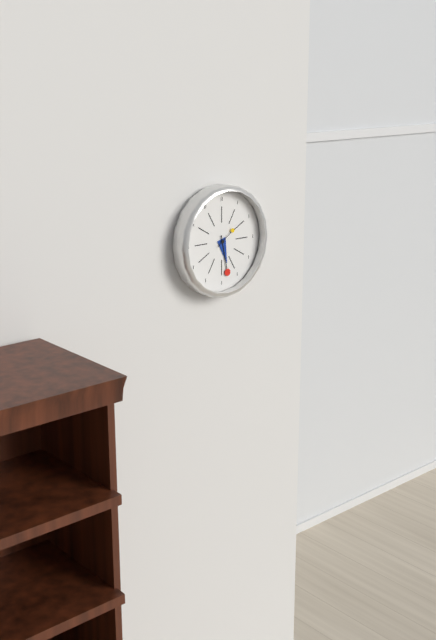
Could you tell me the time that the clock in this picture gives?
5:28
